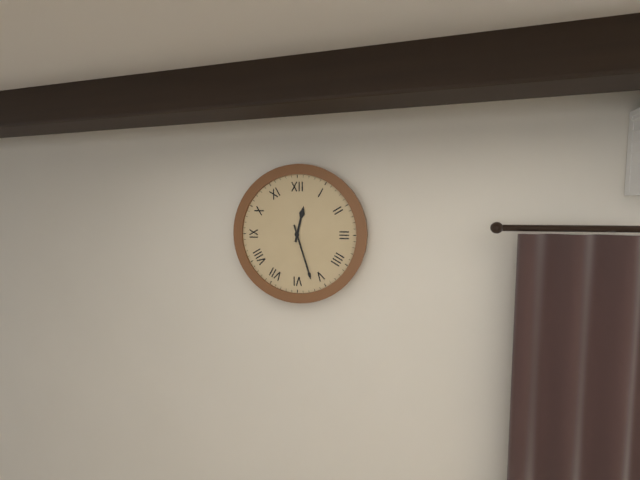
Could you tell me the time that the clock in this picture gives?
12:27
